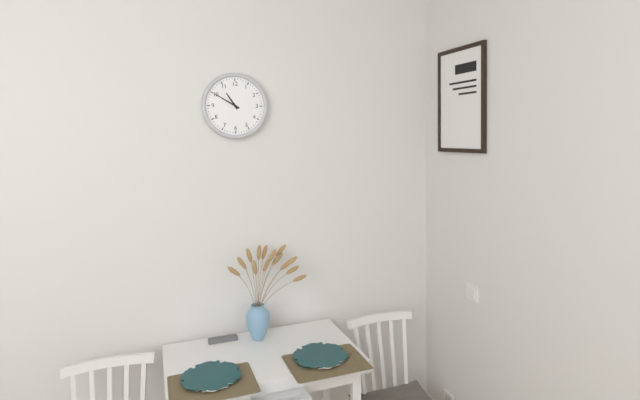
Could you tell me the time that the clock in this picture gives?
10:50
